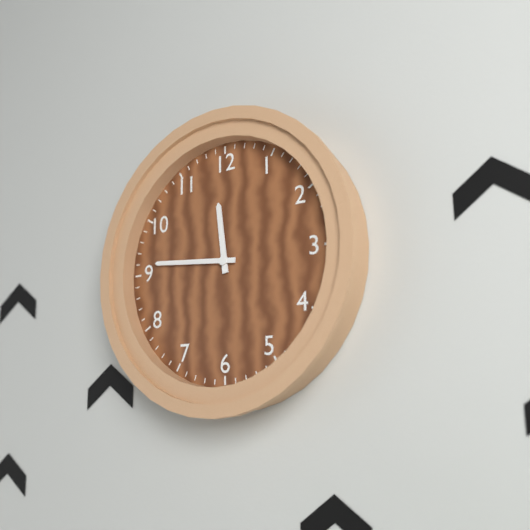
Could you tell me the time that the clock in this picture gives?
11:46
